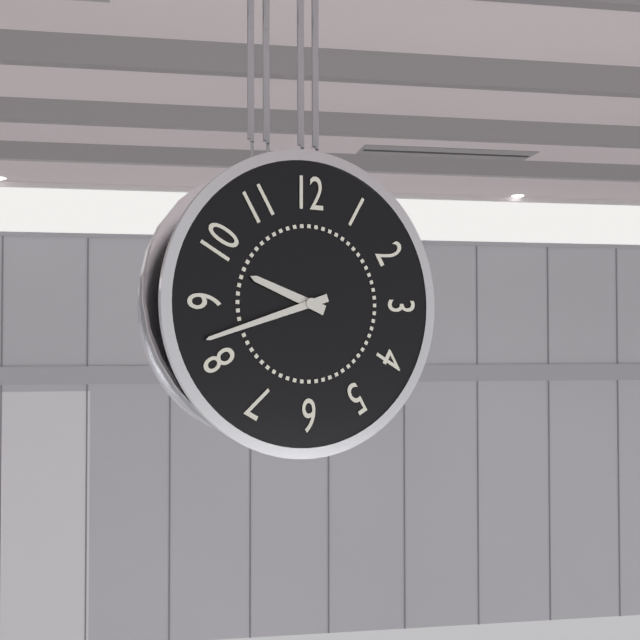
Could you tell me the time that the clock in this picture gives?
9:42
